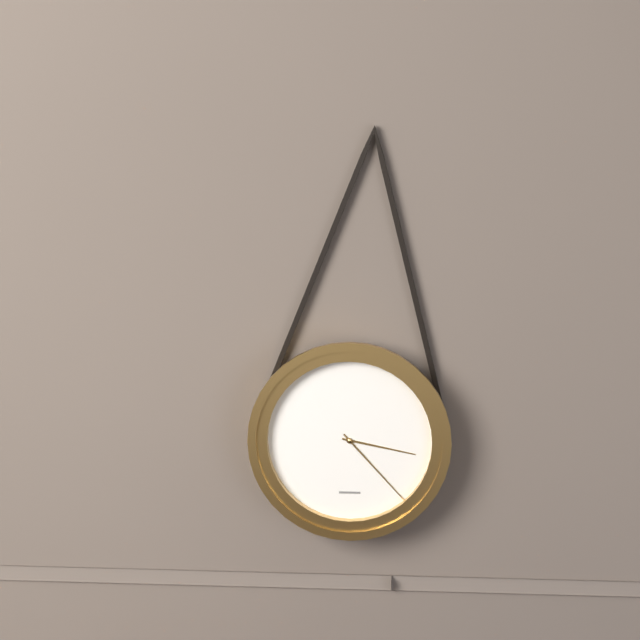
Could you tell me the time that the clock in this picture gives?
3:23
